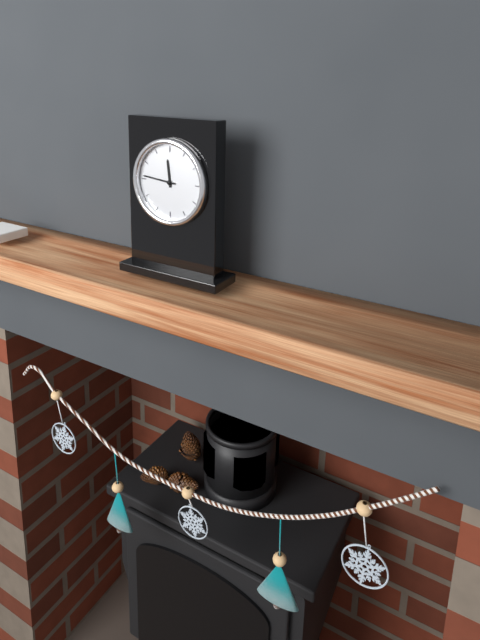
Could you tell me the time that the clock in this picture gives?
11:46
